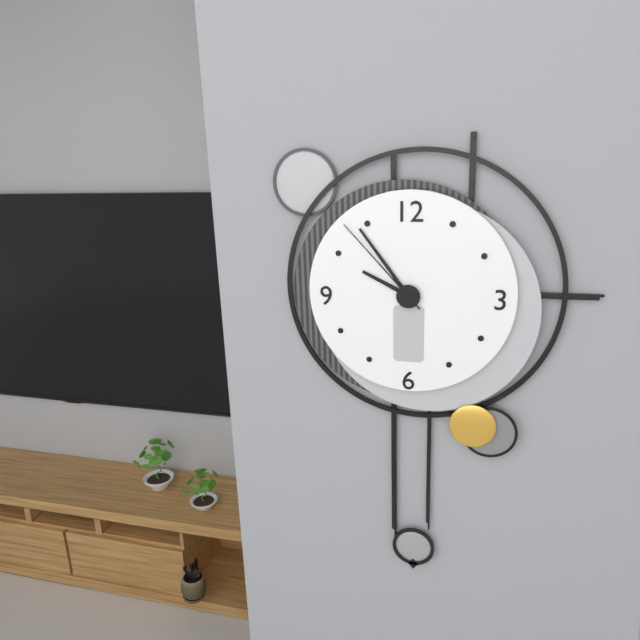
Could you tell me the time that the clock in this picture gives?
9:54:53
